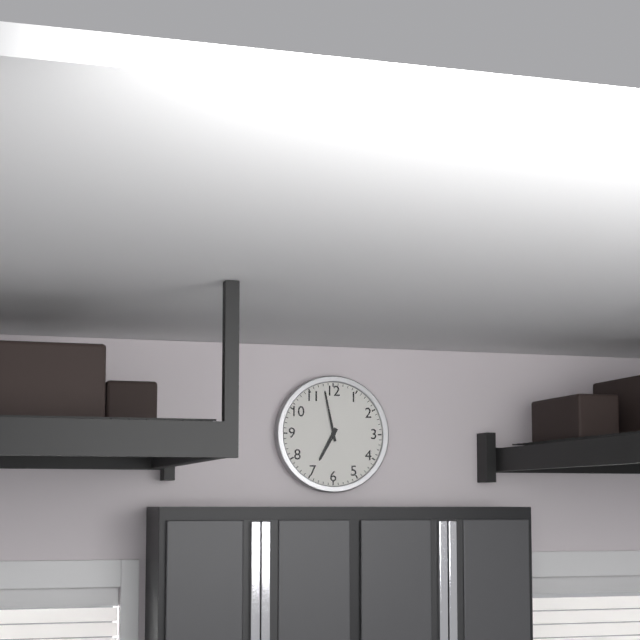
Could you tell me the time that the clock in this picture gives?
6:58
